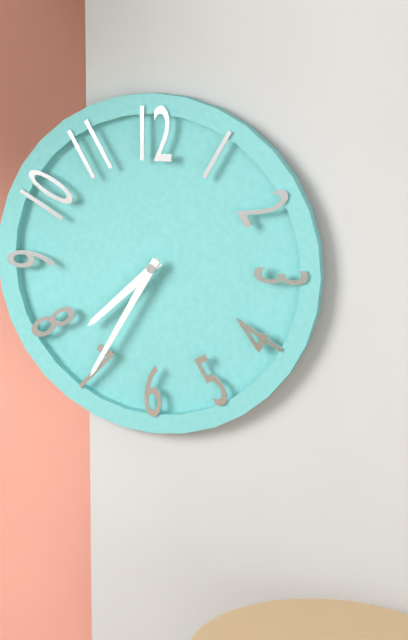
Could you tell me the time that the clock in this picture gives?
7:35
